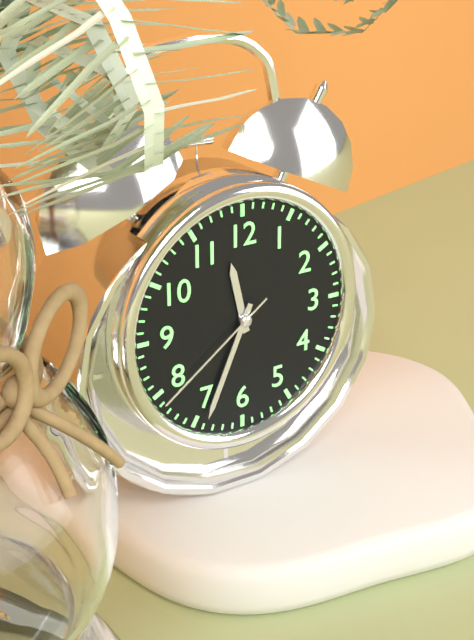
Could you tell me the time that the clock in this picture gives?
11:34:39
